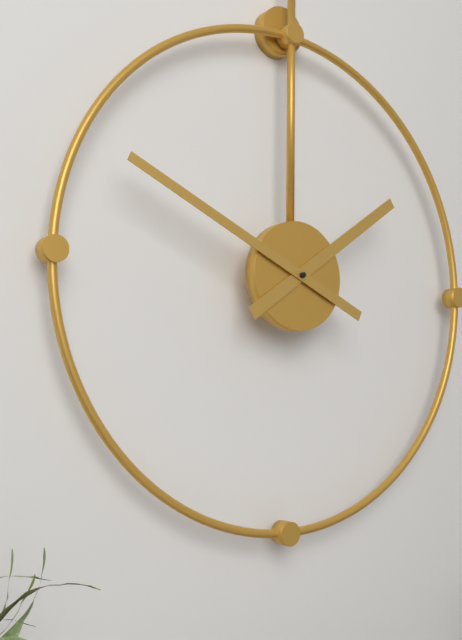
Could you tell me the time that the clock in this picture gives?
1:49
